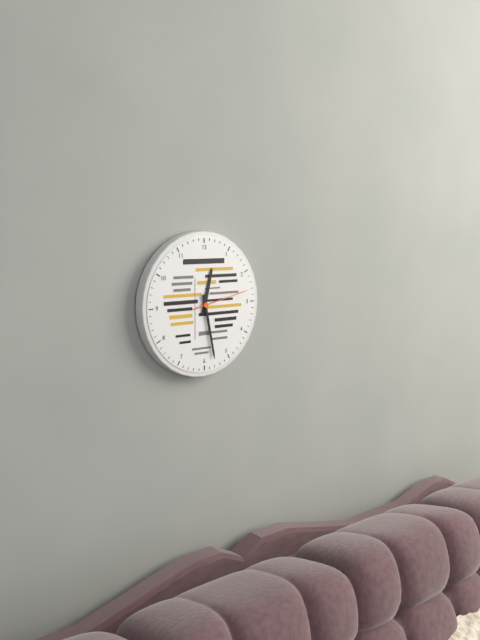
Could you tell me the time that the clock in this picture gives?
12:28:13
